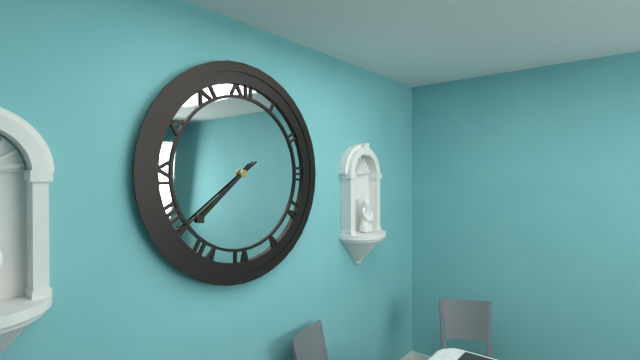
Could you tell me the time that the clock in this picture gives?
7:39
